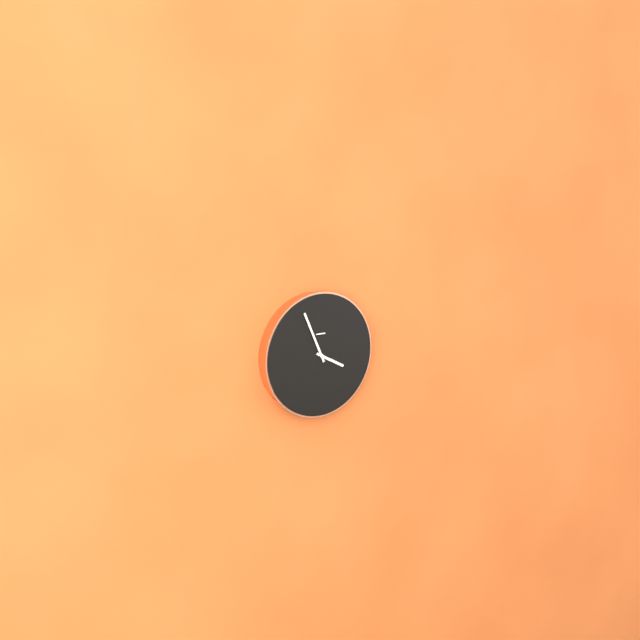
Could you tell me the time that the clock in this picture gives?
3:56
